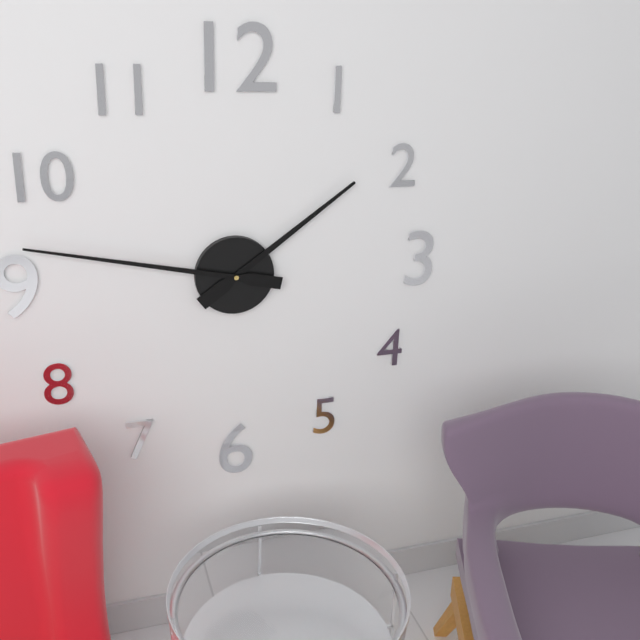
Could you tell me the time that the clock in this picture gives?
1:47
